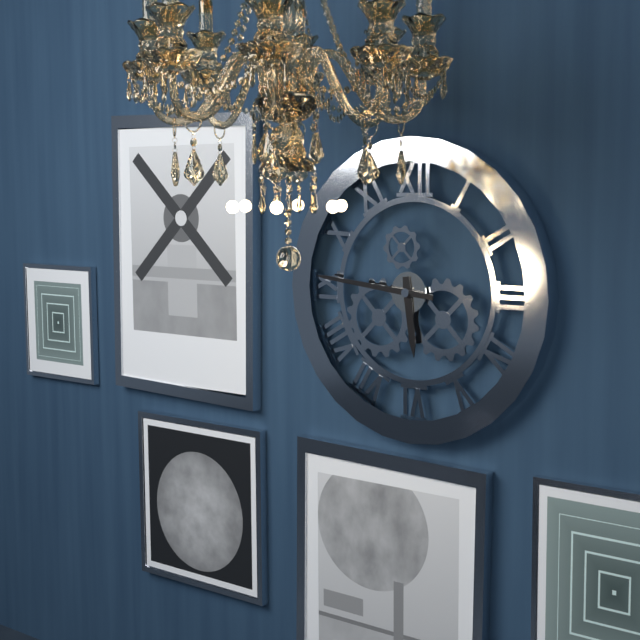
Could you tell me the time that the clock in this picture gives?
5:46
